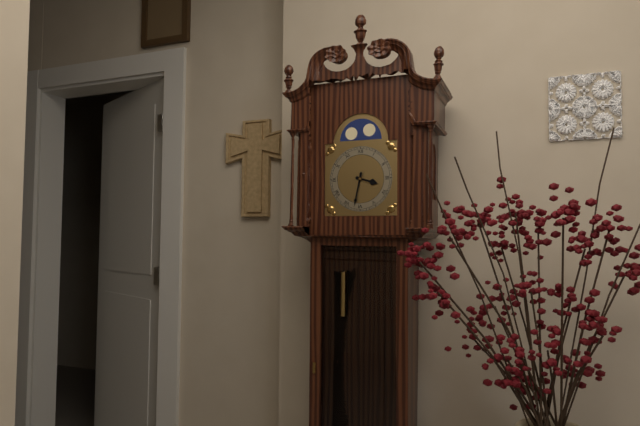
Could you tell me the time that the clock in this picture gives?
3:32
